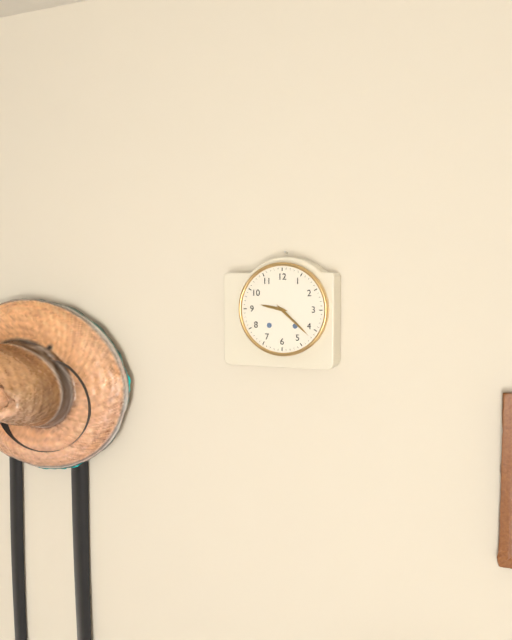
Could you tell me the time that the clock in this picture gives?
9:22
